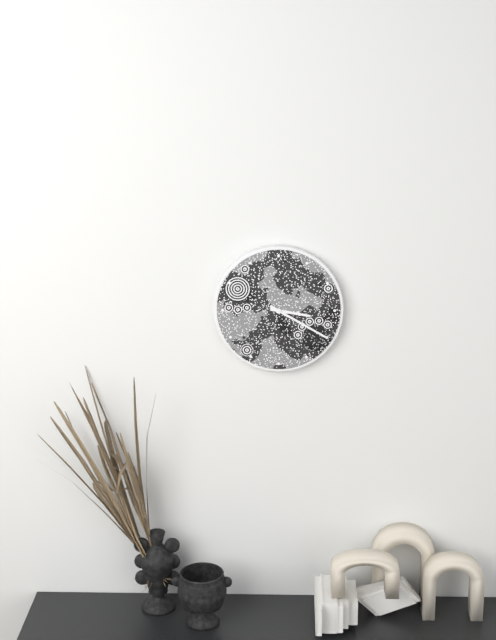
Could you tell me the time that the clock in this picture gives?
3:20
